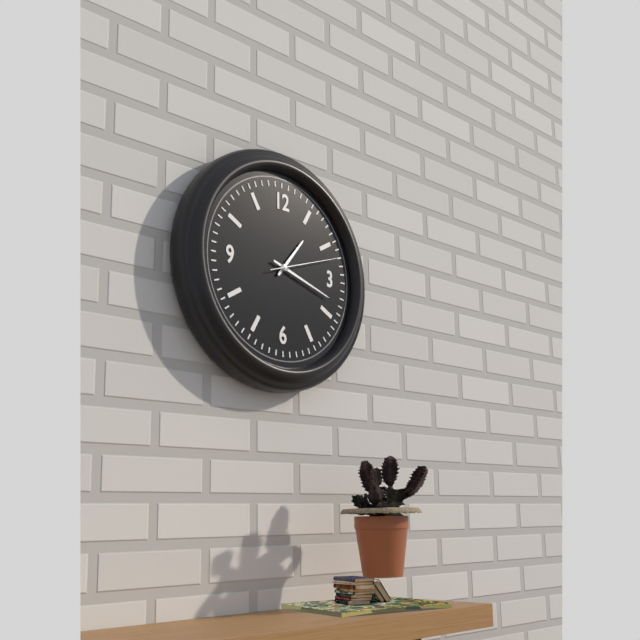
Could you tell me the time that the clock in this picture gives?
1:18:12
